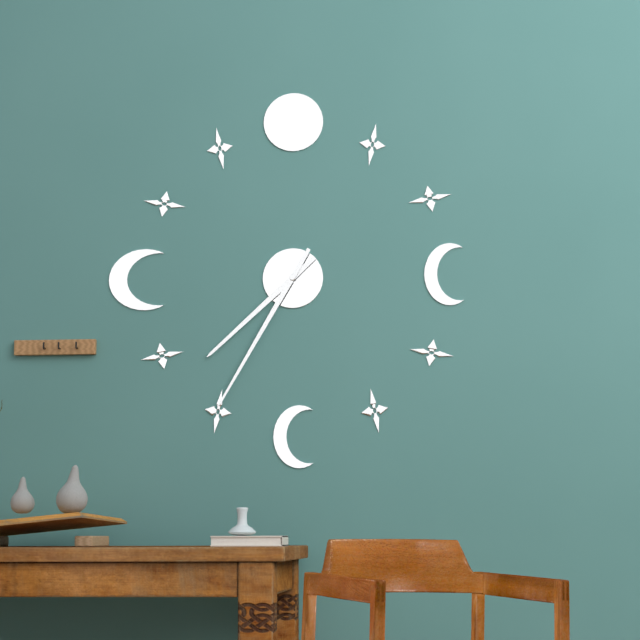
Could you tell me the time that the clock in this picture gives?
7:35
